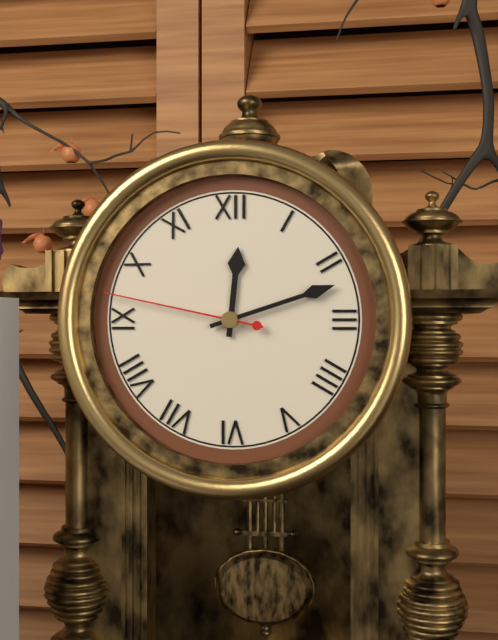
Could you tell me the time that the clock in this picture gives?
12:12:47
